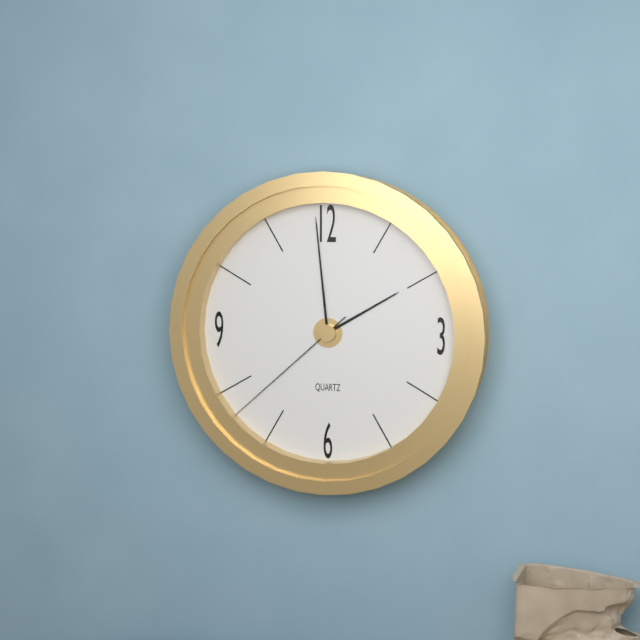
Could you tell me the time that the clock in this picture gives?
1:59:38
